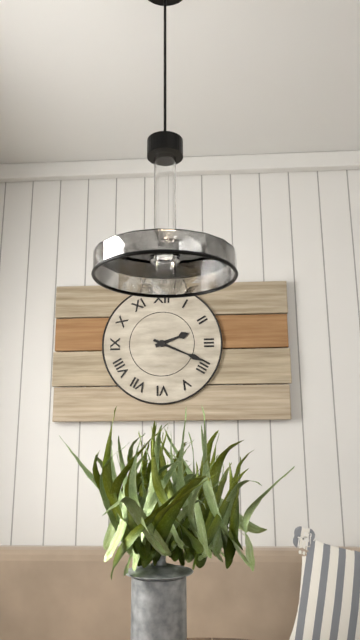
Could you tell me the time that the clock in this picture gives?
2:19
